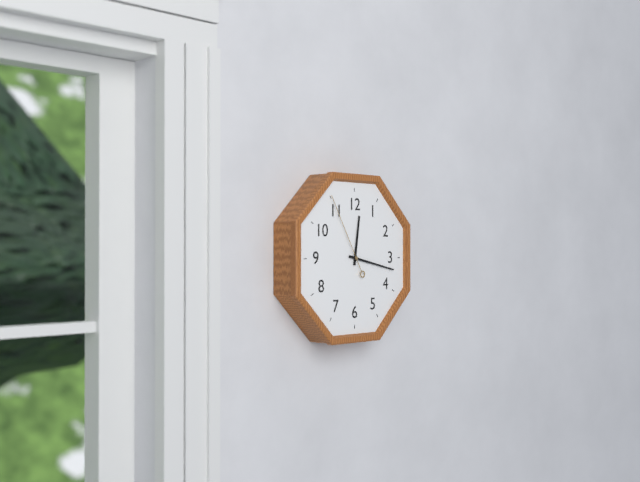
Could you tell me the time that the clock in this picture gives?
12:17:55
